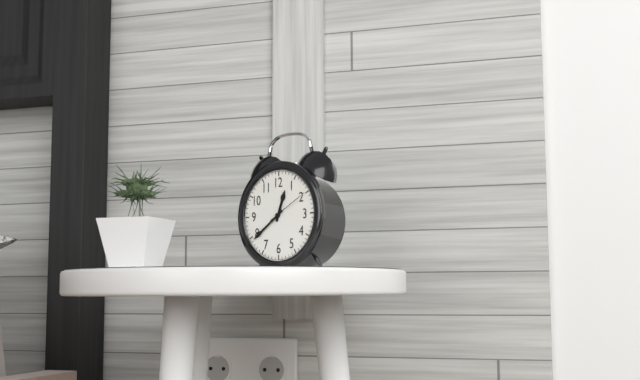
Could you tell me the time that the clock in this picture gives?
12:39
